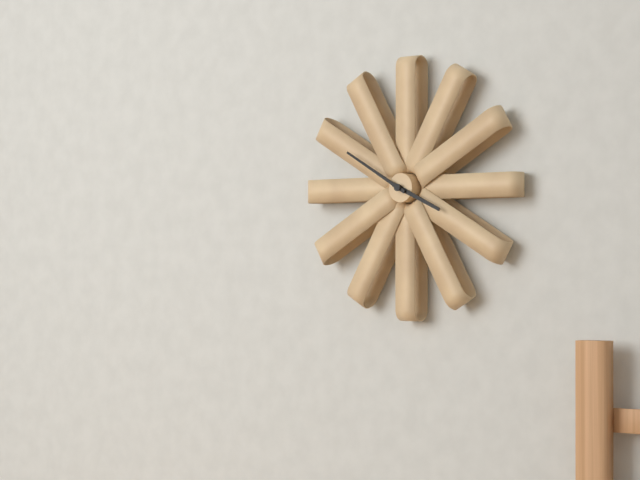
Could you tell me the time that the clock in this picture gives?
3:50
